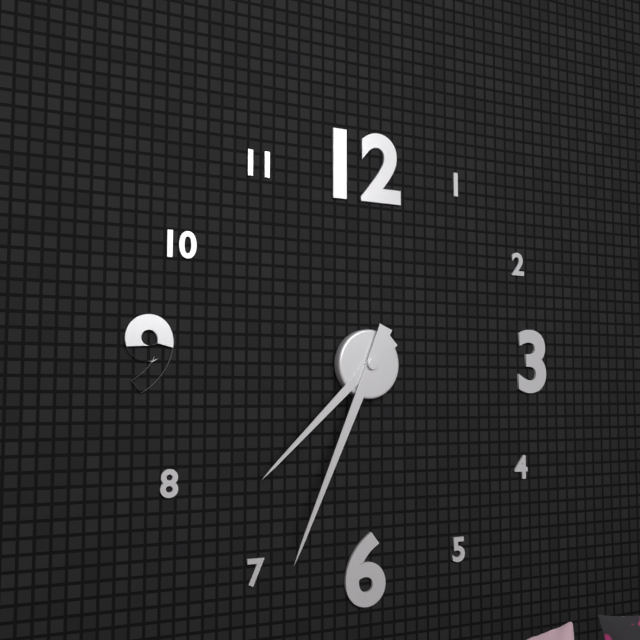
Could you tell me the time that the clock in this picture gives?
7:34
